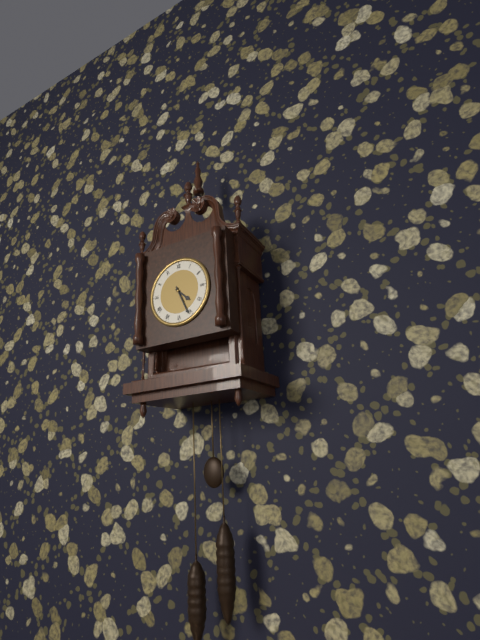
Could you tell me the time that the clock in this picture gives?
4:26
